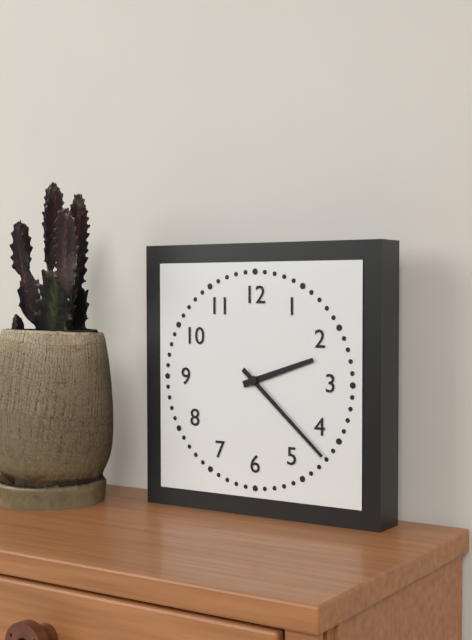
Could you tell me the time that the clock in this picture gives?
2:22
